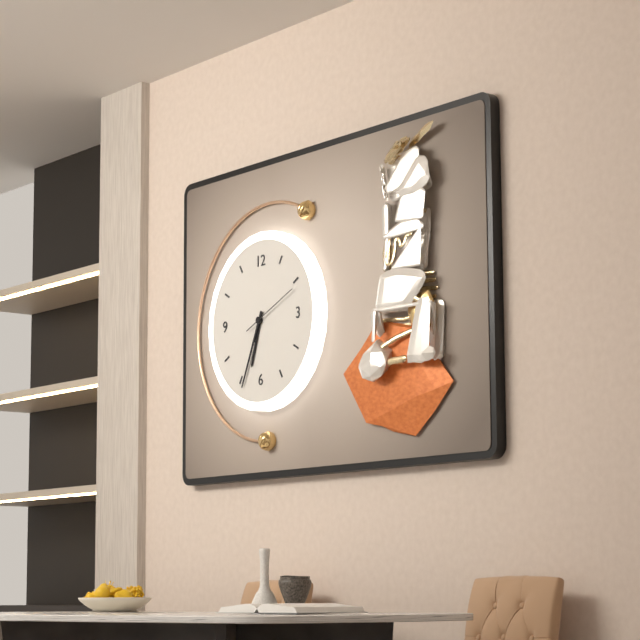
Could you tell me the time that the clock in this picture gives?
6:34:11
